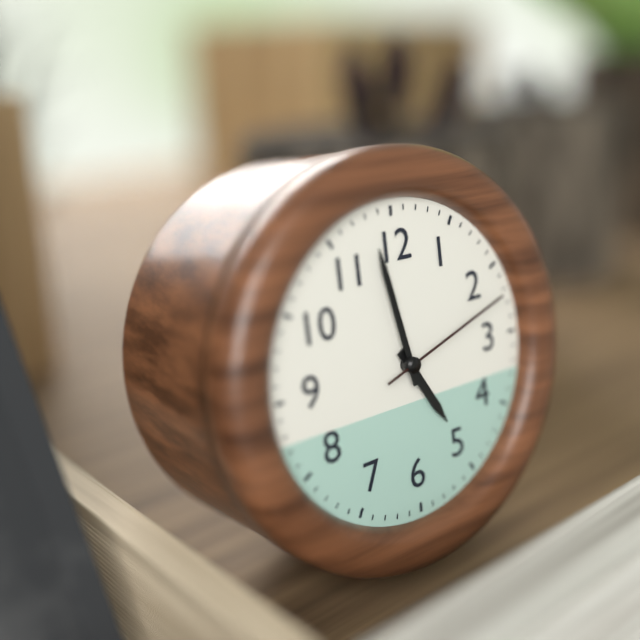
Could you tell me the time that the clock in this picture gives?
4:58:12
